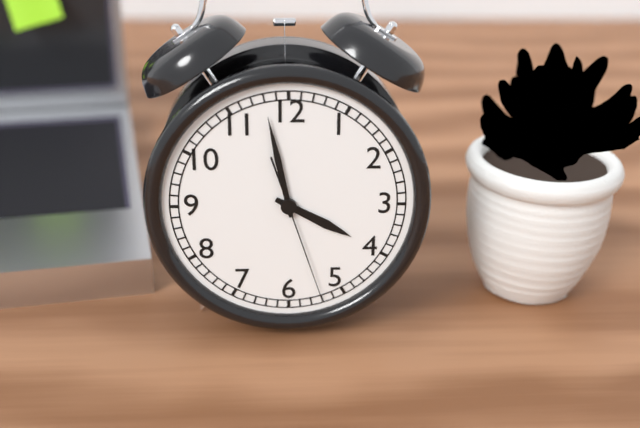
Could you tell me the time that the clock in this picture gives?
3:58:27
